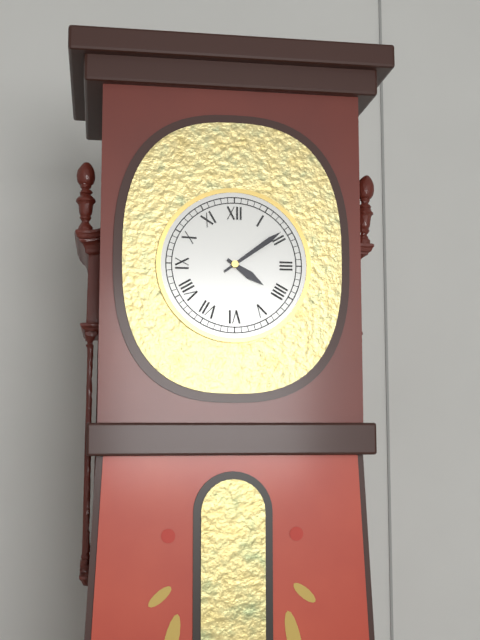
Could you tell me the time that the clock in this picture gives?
4:09
